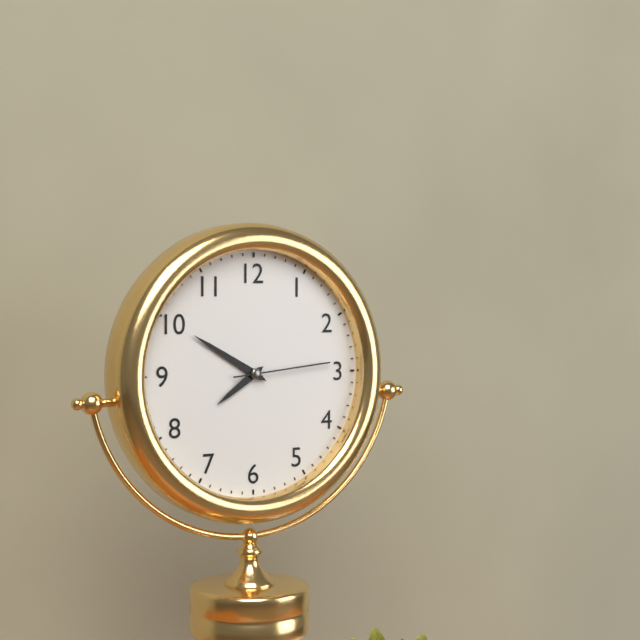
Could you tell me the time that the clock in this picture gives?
7:50:14
